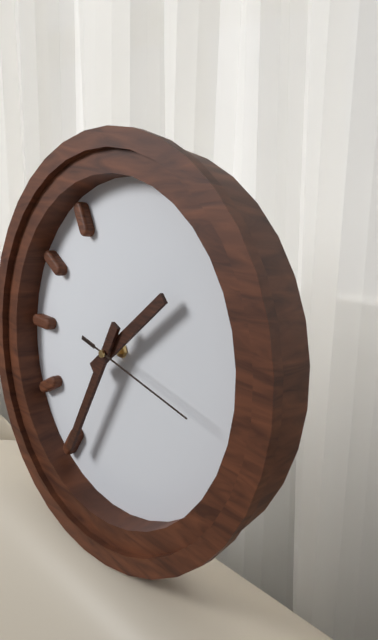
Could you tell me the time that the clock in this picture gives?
1:34:17
